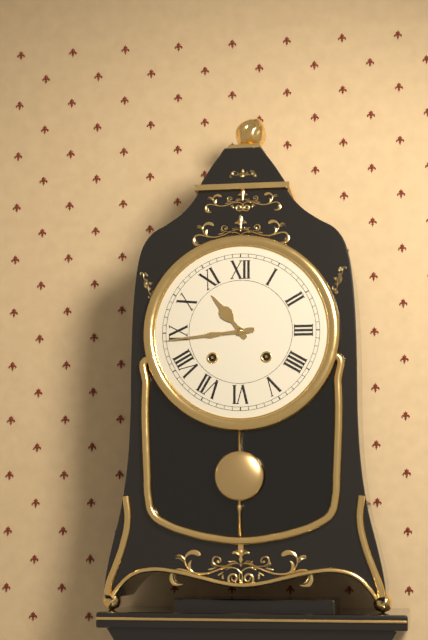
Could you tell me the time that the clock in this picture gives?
10:44
